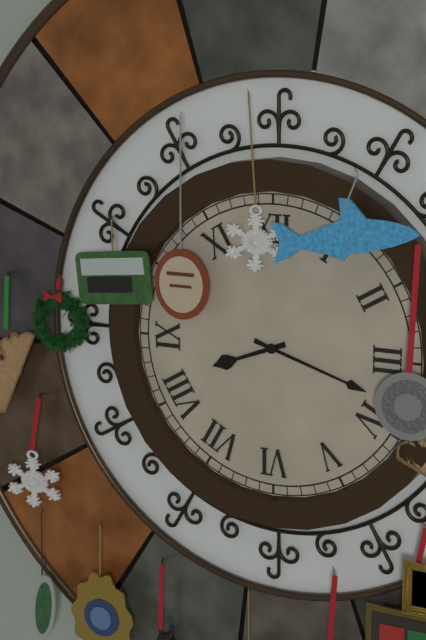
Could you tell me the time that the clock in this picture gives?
8:18
